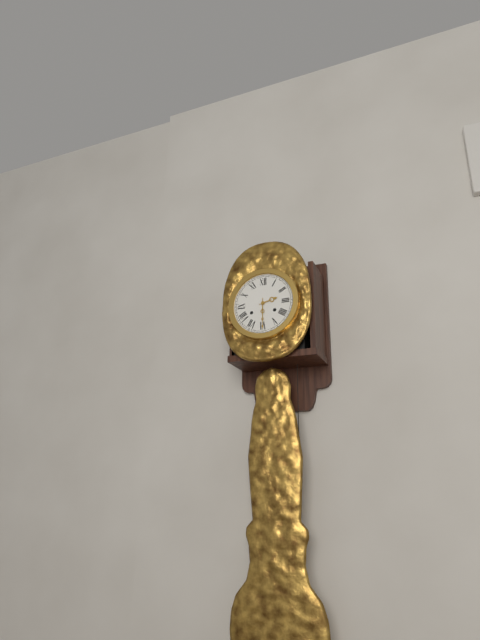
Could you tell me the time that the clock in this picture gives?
2:30
